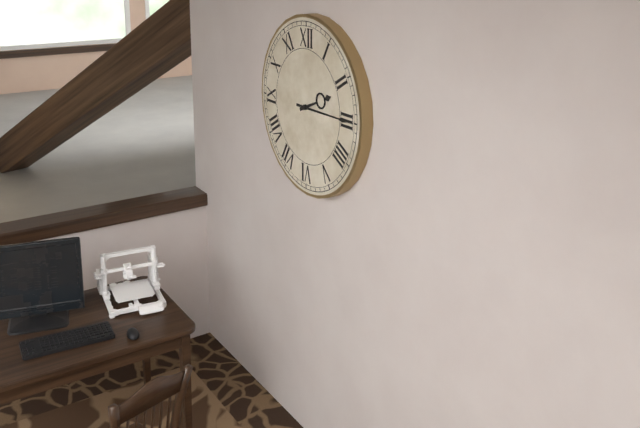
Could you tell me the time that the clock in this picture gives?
2:15
